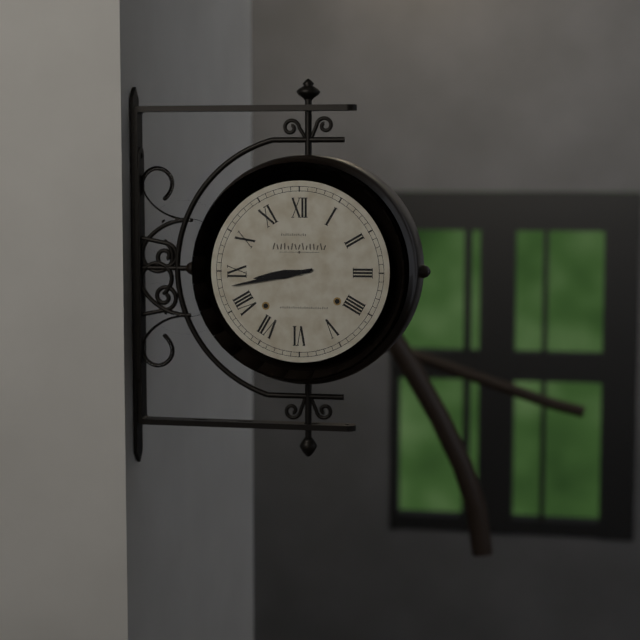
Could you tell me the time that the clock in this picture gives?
8:43
